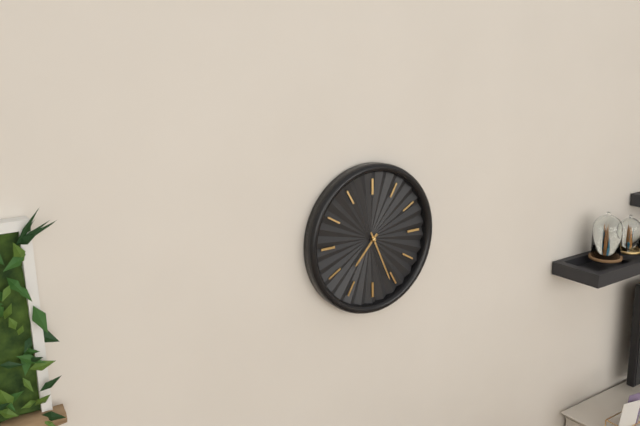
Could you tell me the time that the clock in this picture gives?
7:26
